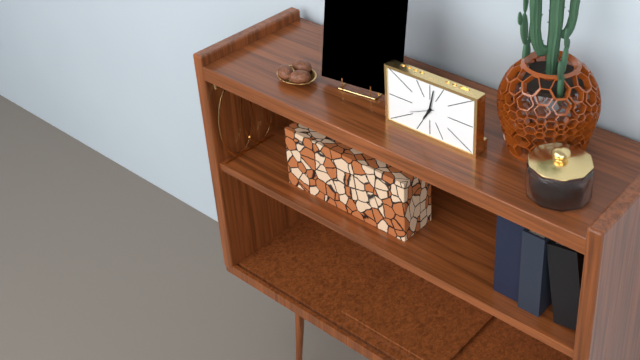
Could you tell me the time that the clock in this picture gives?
7:02
